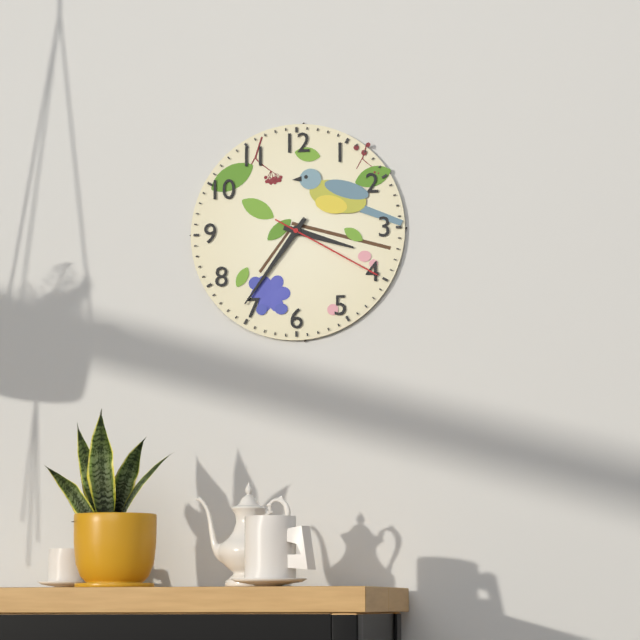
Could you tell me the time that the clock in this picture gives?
3:36:20
